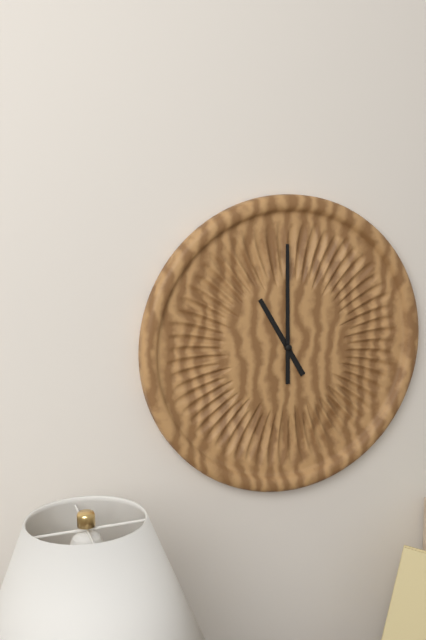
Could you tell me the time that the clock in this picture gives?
11:00
